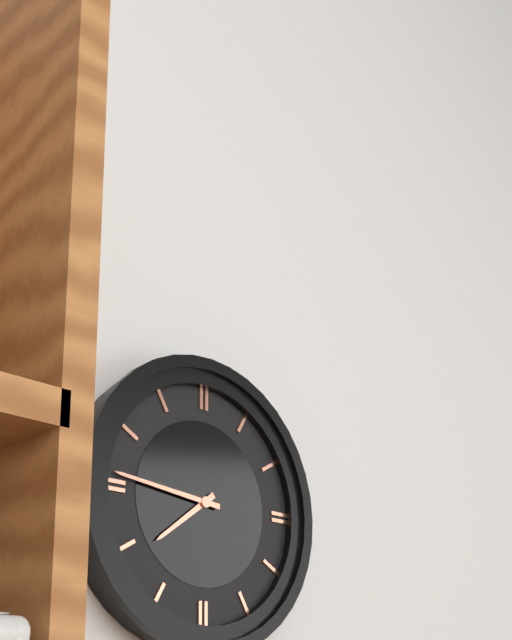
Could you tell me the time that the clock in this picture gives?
7:46
